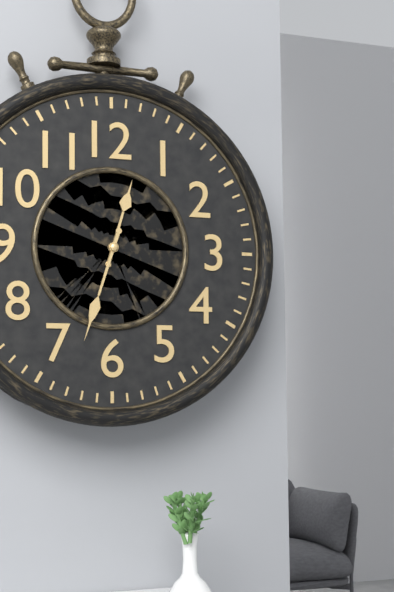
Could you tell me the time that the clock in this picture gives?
12:33
